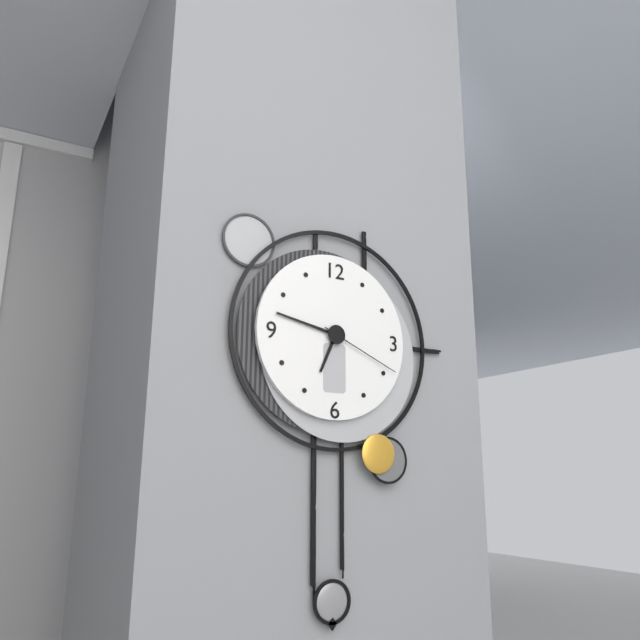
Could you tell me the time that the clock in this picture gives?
6:47:19
